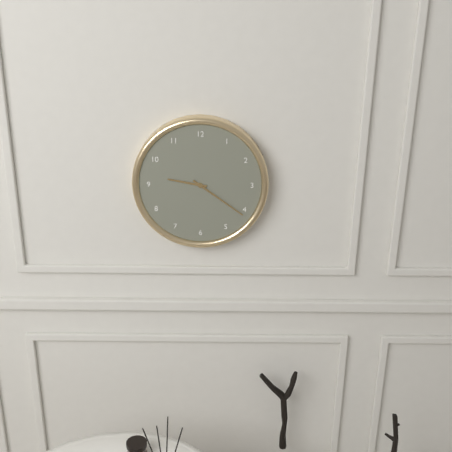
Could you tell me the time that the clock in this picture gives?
9:21
